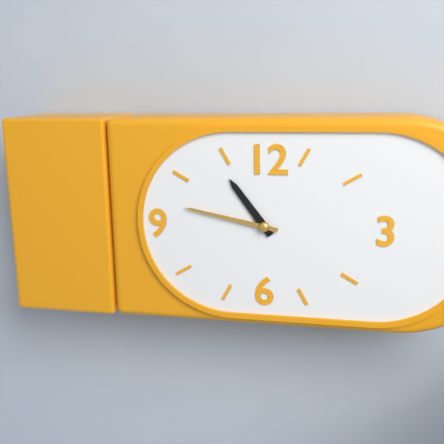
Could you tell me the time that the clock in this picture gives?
10:47
